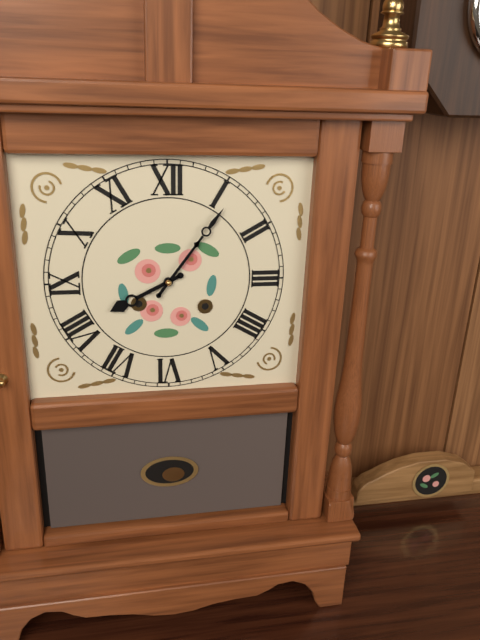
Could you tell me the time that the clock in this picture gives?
8:06
